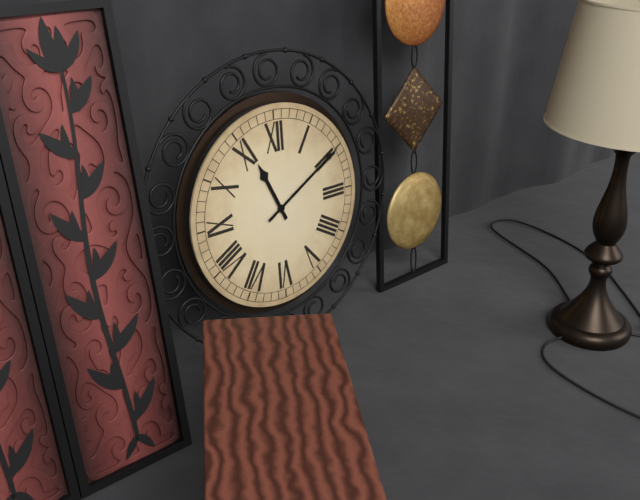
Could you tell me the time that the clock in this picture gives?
11:10
